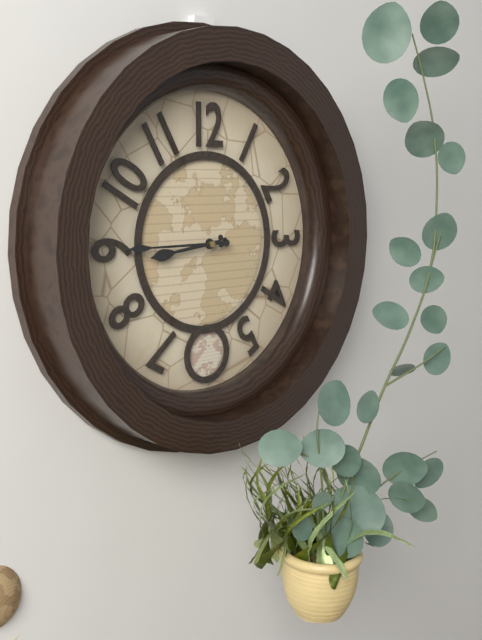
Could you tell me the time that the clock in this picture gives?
8:45
